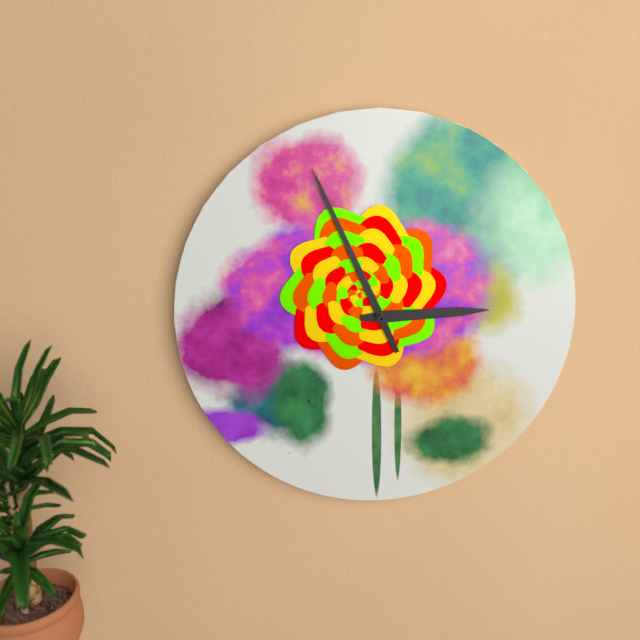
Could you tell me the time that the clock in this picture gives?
2:56
